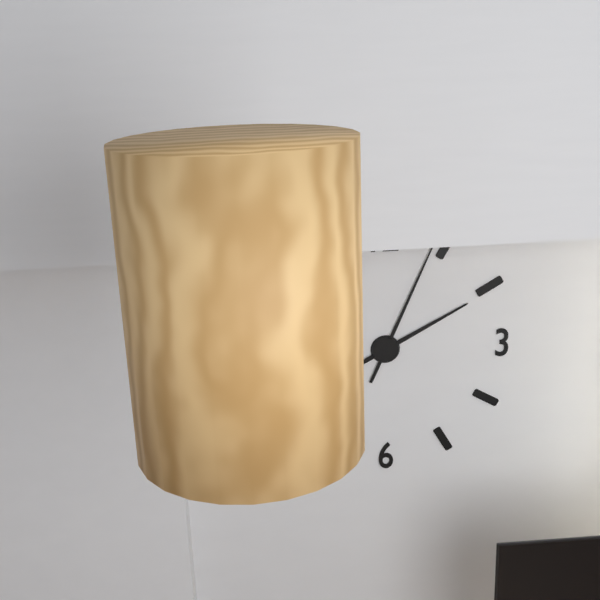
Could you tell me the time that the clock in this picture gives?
2:04
